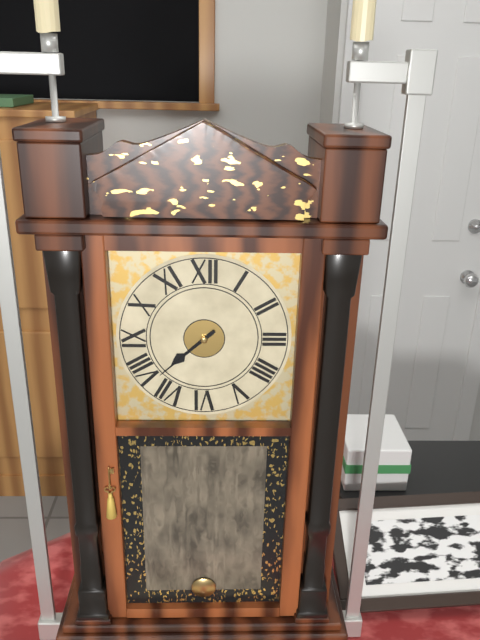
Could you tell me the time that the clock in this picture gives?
7:38
